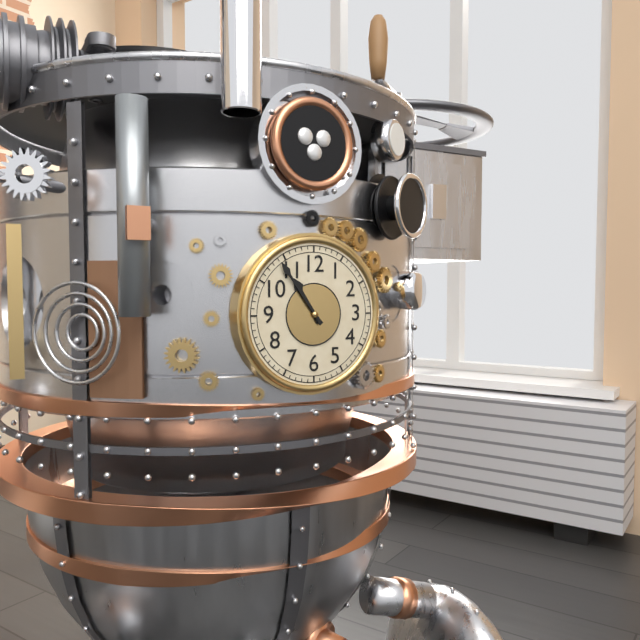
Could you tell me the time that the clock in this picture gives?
10:54
